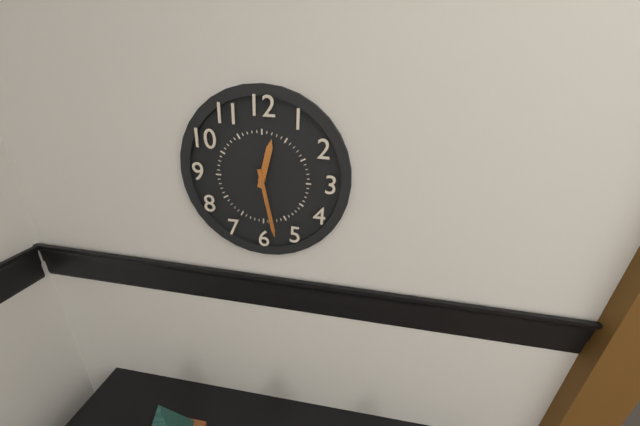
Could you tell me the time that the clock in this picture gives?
12:28
